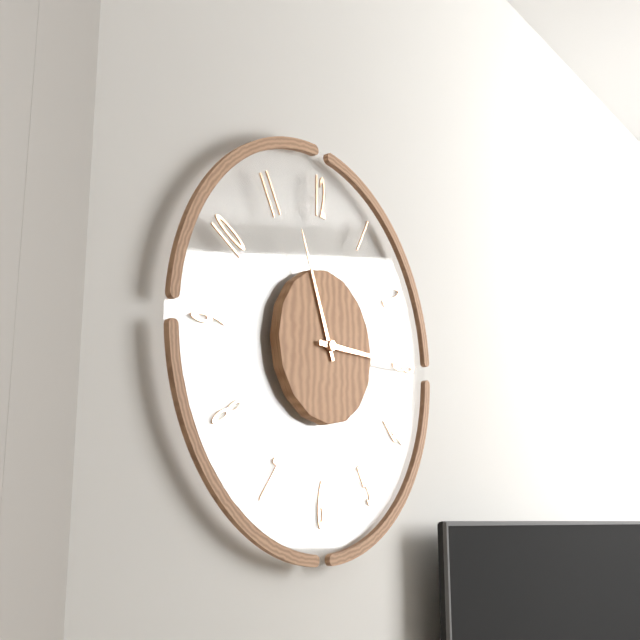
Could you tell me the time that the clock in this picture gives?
11:15
